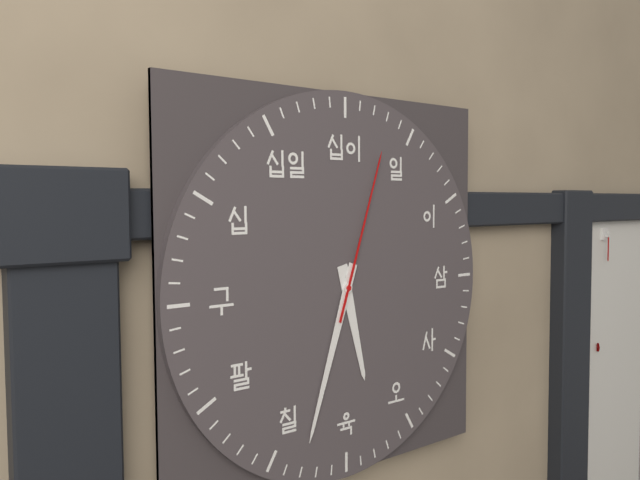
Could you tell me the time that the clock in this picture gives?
5:33:03
